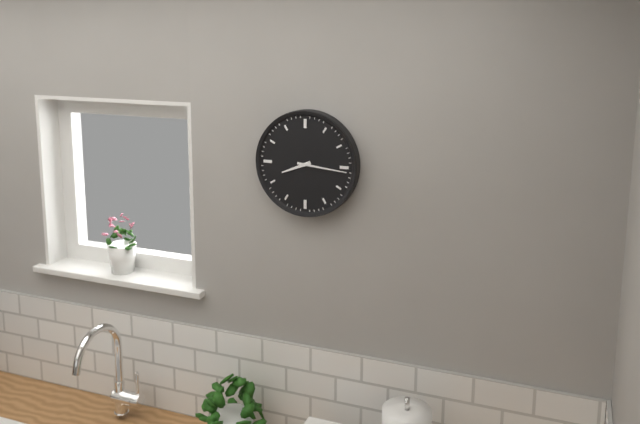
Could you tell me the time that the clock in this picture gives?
8:16
